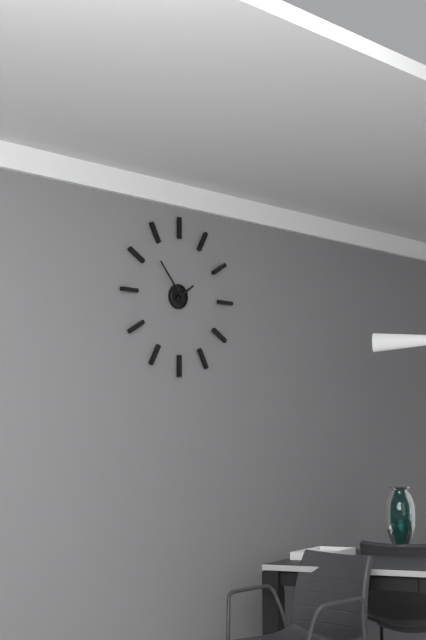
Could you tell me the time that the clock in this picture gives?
1:53
